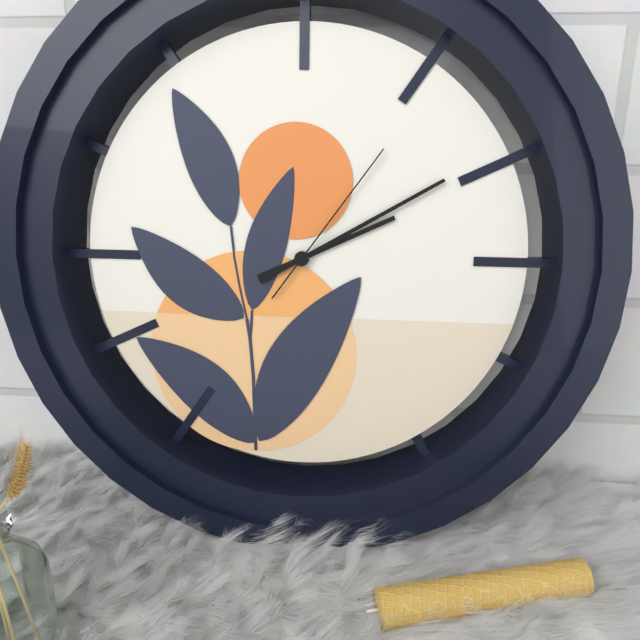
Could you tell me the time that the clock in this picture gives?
2:10:06
